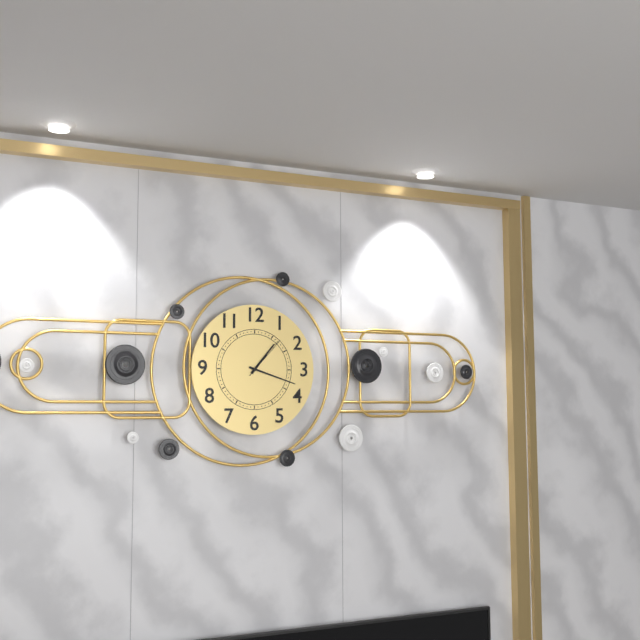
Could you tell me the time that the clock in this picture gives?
1:18
